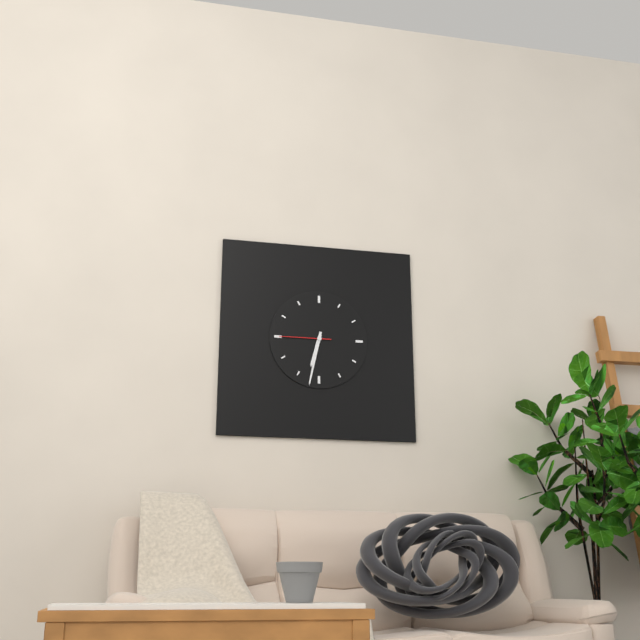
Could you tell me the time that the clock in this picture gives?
6:32:45
